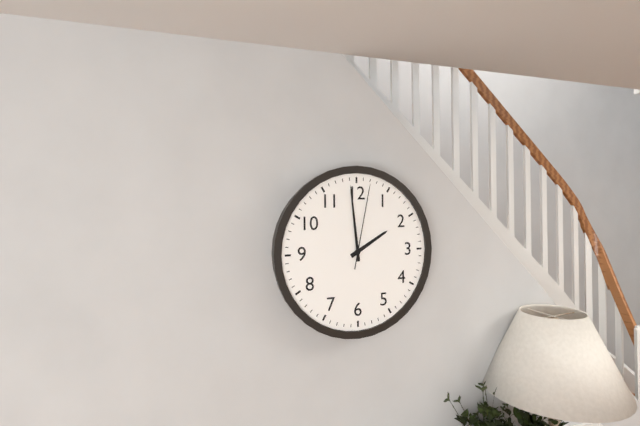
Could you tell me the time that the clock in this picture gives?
1:59:02
